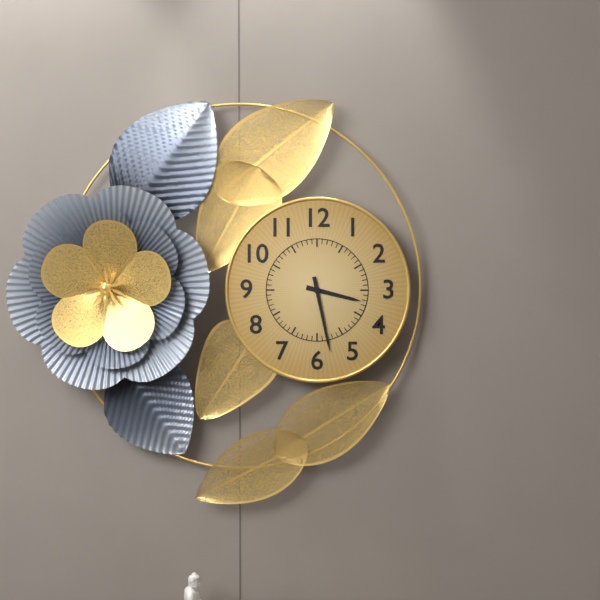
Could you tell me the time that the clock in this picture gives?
3:28
